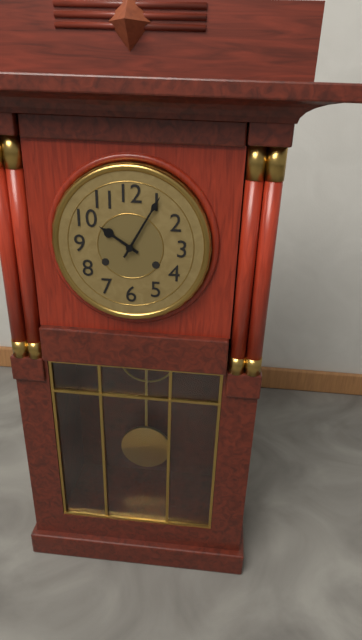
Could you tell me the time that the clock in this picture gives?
10:05
